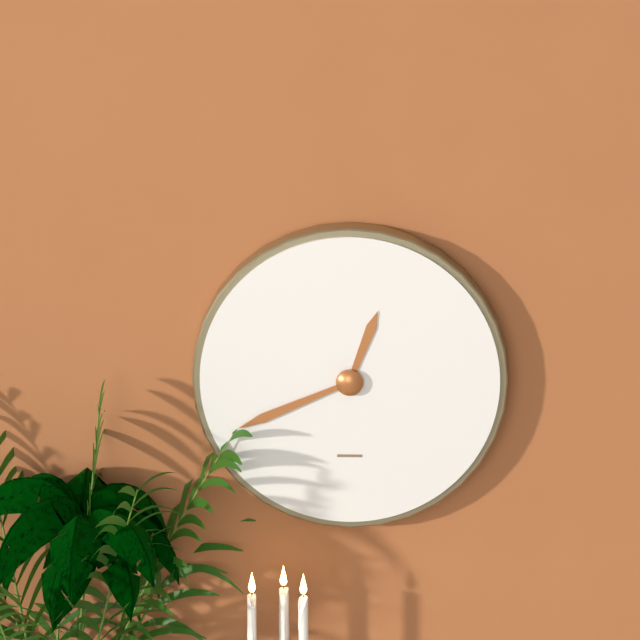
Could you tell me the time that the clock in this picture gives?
12:41
